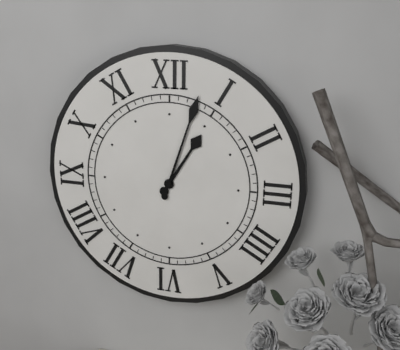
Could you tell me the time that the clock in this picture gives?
1:03
